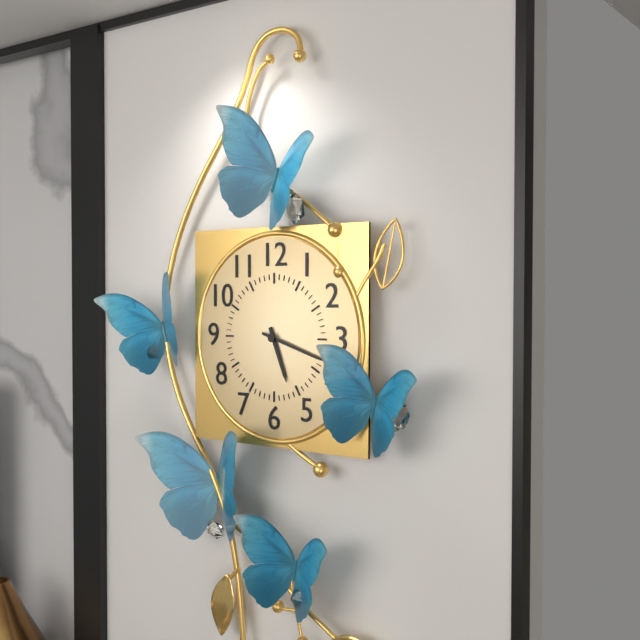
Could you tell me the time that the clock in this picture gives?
5:18
